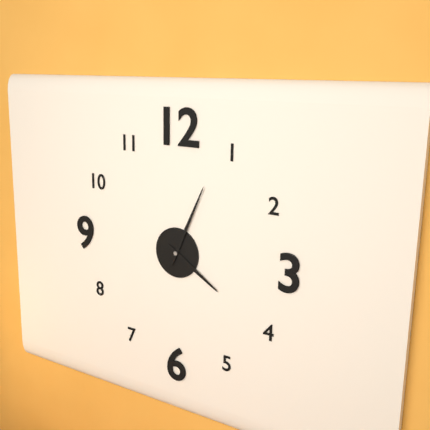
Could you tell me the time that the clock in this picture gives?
4:04
